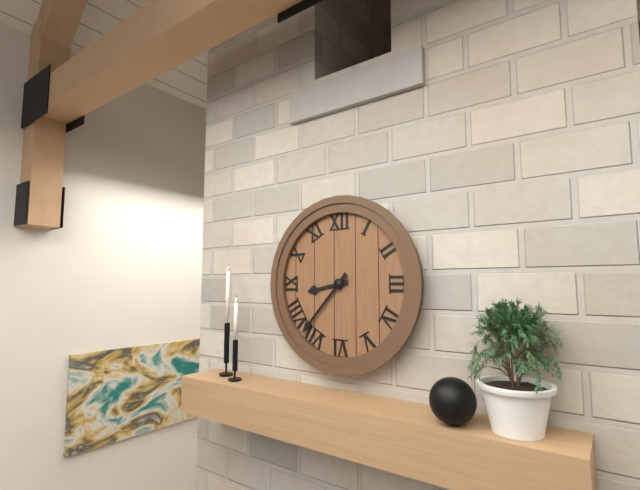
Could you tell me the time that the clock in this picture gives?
8:37
